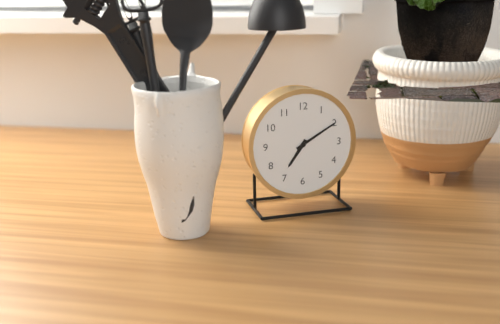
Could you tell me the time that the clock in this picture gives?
7:10
